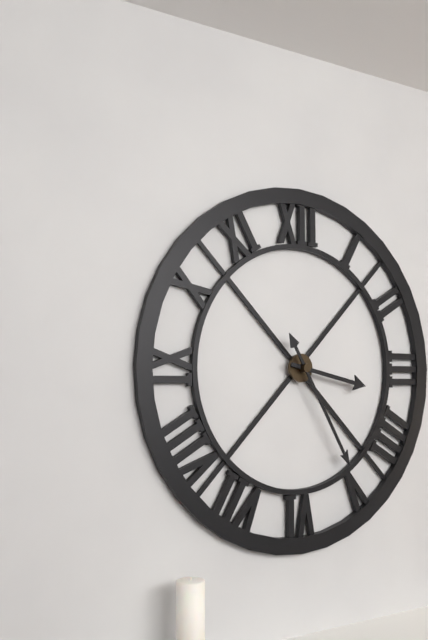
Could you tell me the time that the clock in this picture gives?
3:25
